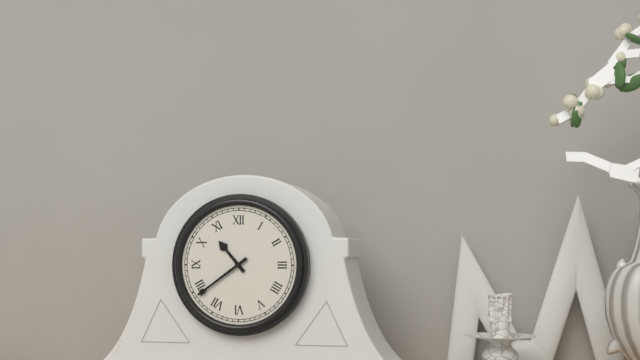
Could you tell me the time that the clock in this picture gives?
10:39
